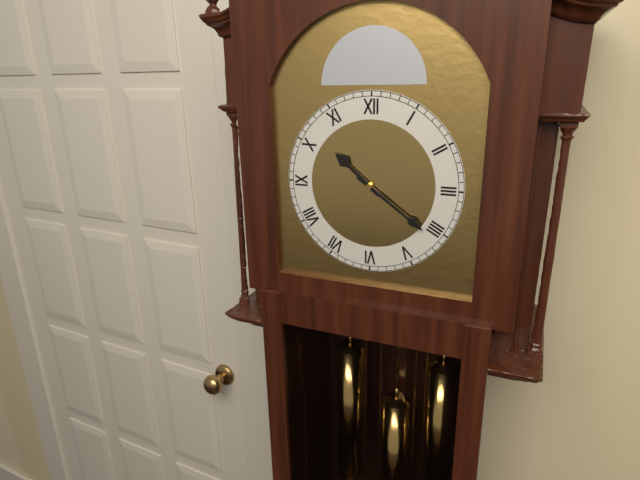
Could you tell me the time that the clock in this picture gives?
10:21
